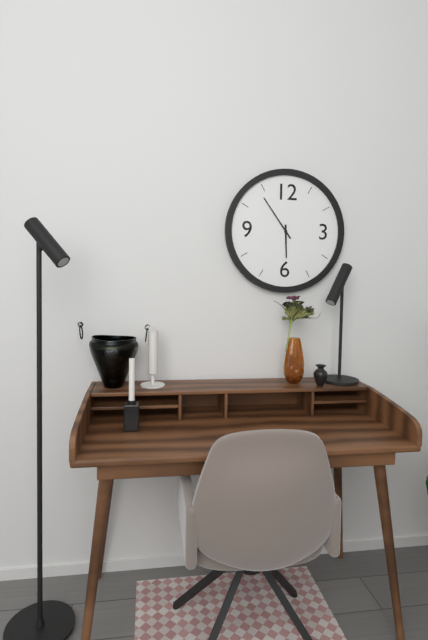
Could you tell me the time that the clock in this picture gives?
5:54
